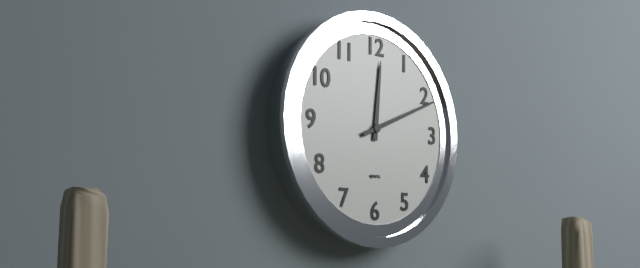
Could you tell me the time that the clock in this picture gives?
12:11
